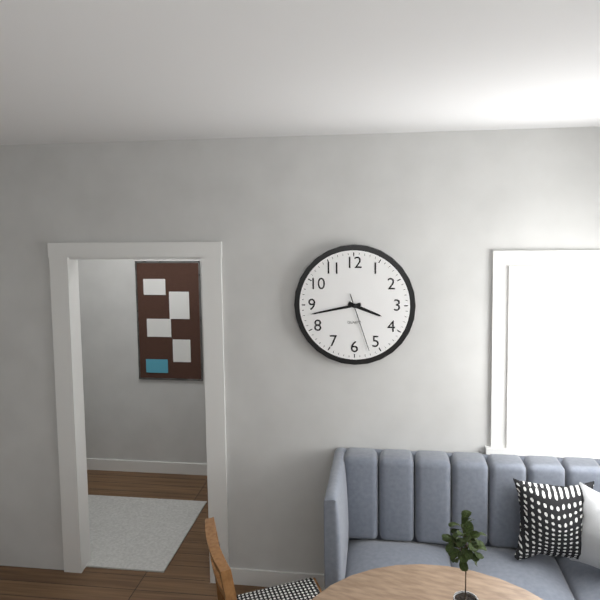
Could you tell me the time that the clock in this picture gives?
3:43:27
